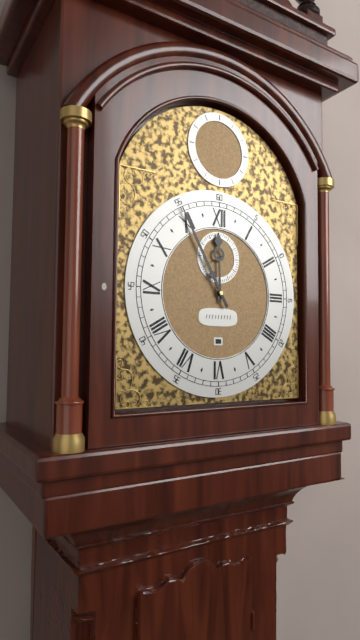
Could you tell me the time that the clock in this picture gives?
11:55
